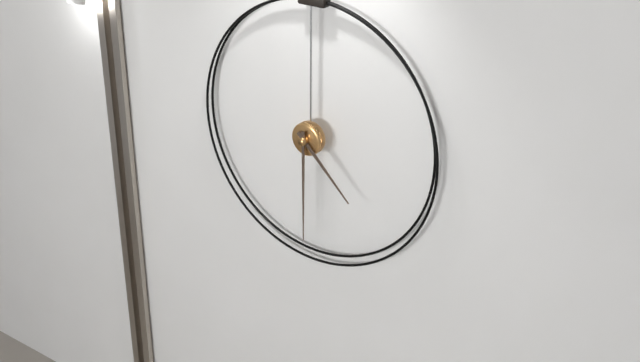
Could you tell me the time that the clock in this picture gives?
4:30
